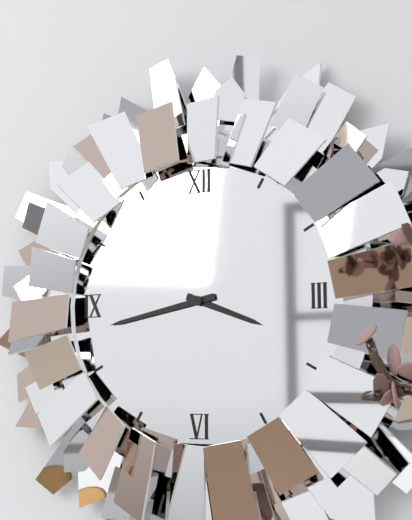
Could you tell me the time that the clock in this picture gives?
3:43
